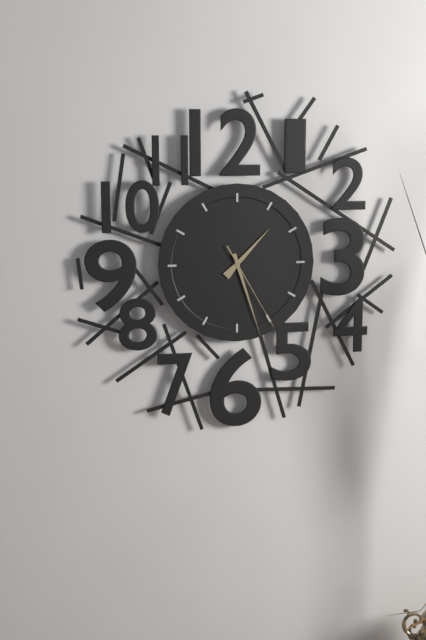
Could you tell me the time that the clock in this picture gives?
1:27:25
